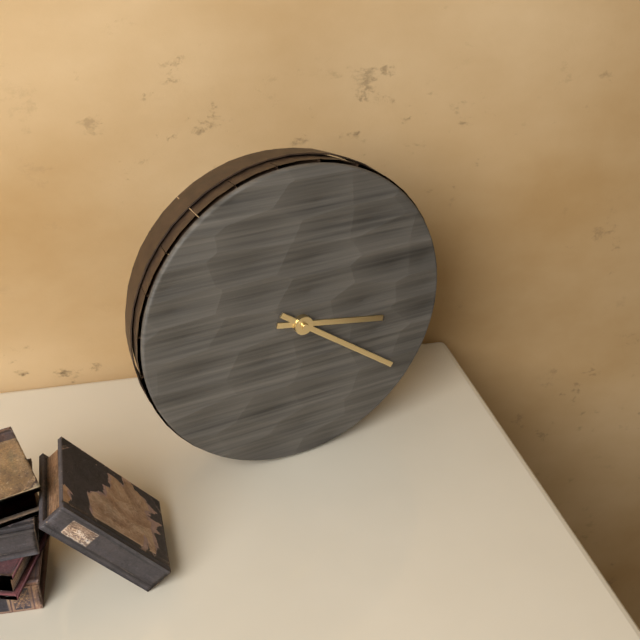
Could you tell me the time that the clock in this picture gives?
3:21
